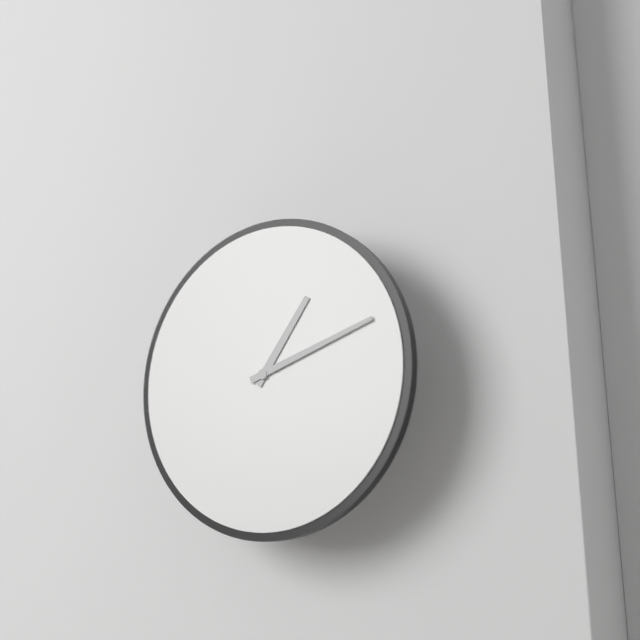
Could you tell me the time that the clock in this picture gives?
1:12
